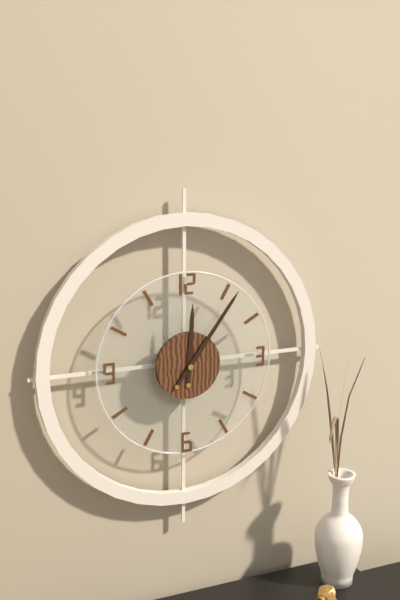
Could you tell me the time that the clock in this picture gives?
12:06
